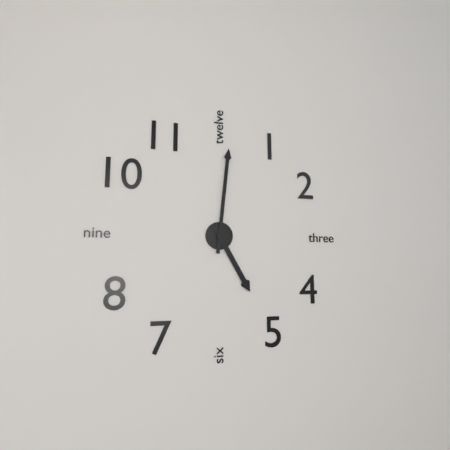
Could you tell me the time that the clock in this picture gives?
5:01
